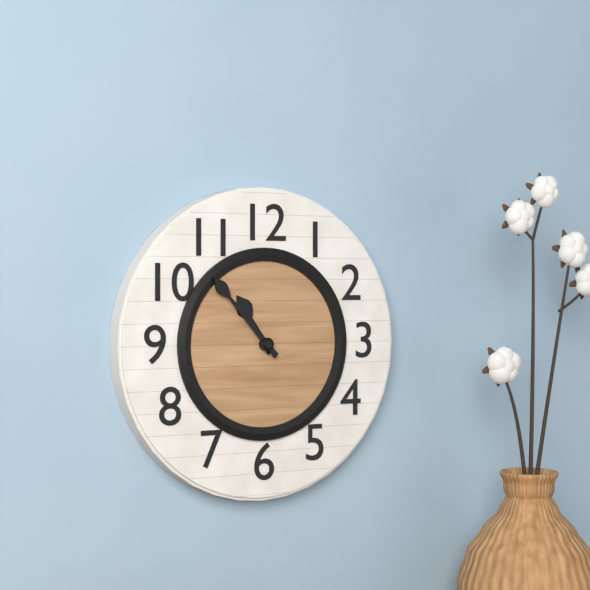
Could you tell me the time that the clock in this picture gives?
10:53
